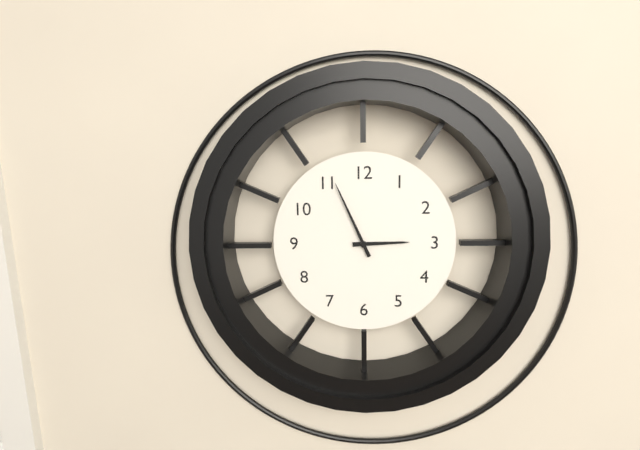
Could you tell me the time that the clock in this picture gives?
2:56
